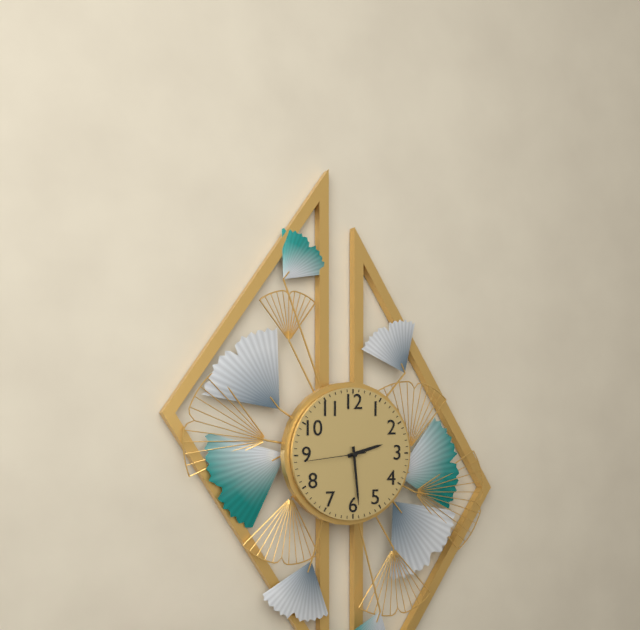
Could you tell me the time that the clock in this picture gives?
2:29:44
